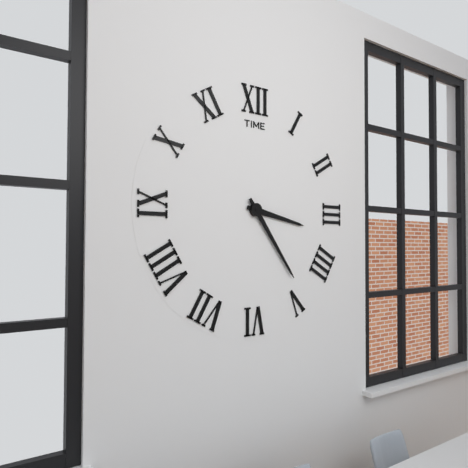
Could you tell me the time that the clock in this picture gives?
3:24
